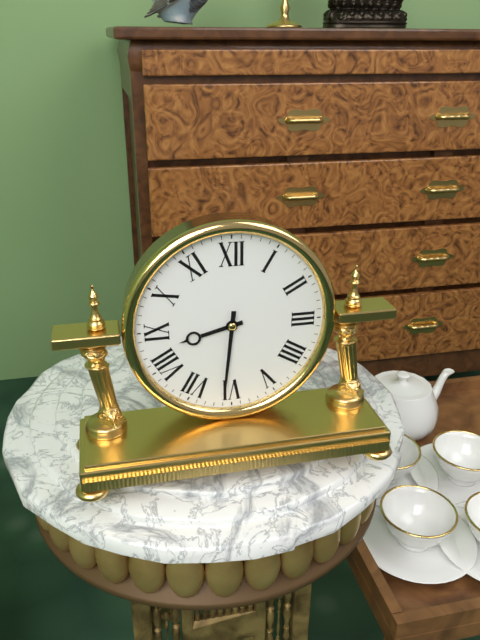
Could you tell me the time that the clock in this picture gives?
8:31
